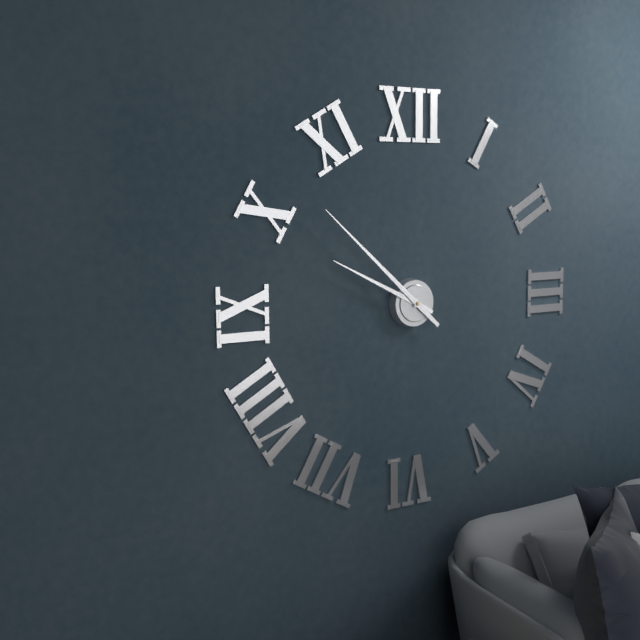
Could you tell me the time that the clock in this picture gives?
9:52
